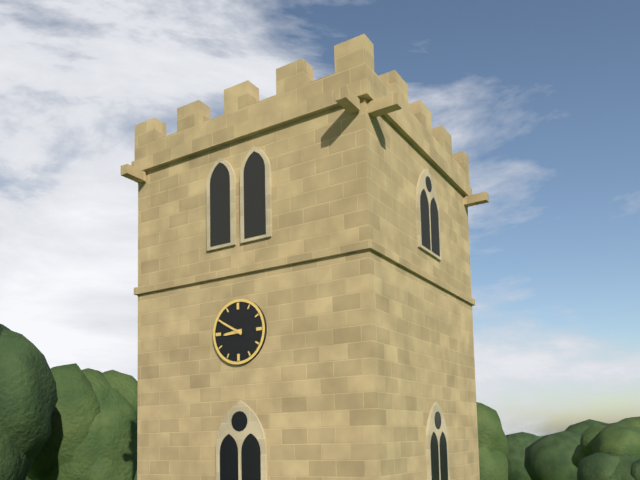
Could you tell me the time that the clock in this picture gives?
8:50
